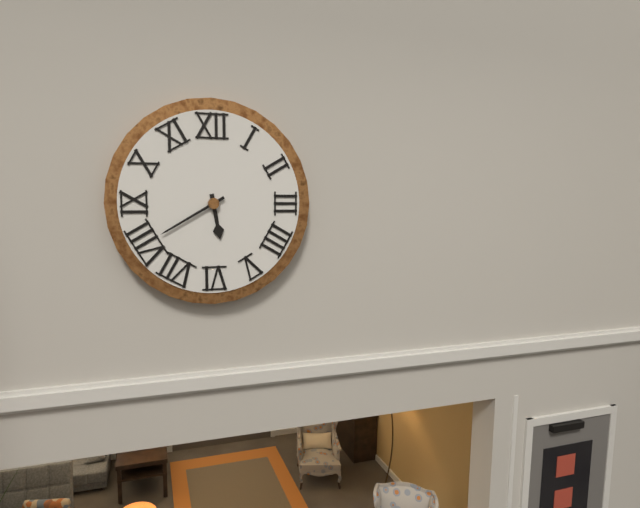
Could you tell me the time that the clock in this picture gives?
5:40
